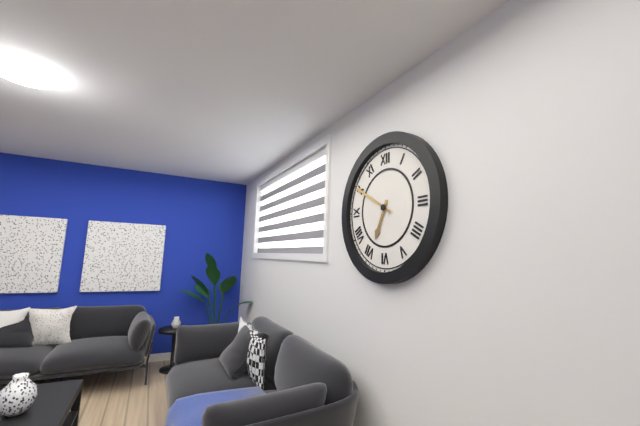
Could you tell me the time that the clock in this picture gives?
6:50
